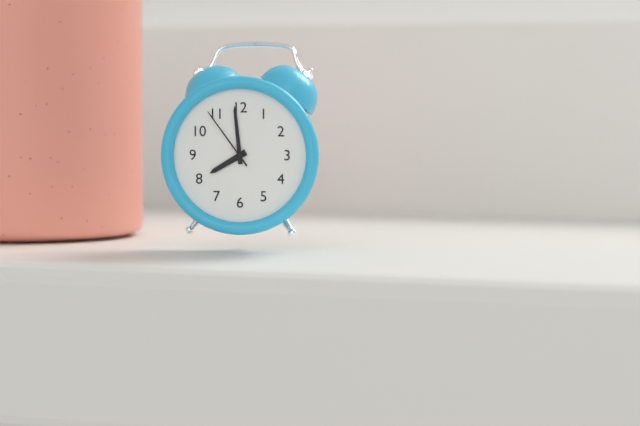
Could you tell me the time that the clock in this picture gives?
7:59:54
